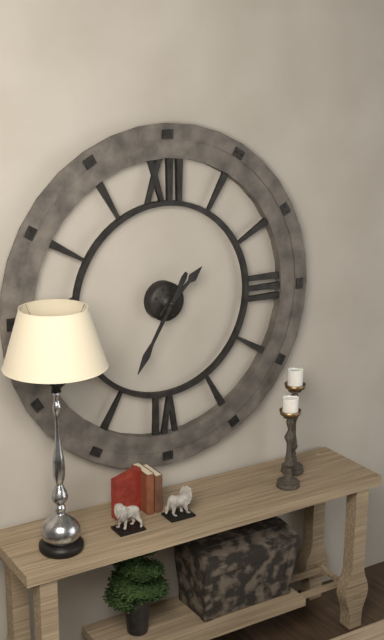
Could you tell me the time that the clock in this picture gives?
1:35
